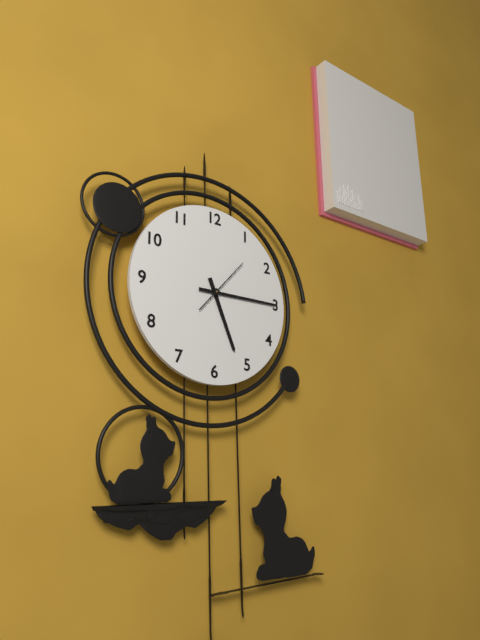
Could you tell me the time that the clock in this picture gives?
5:15:07
